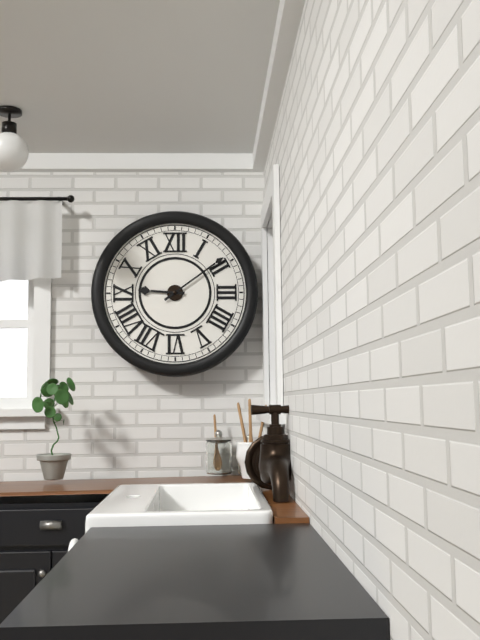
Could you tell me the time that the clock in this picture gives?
9:09
